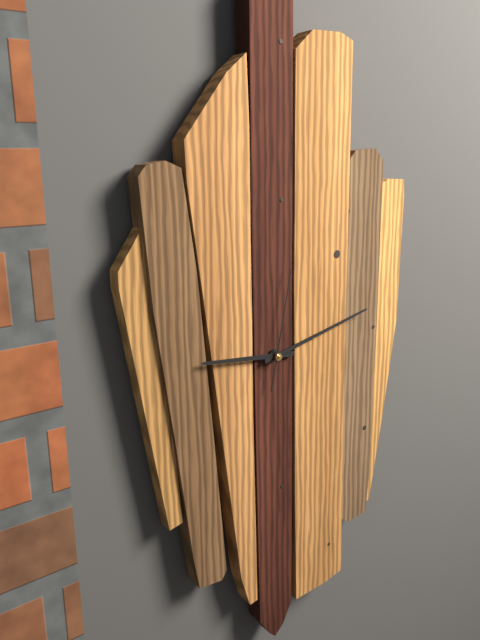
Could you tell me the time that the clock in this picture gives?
9:13:02
